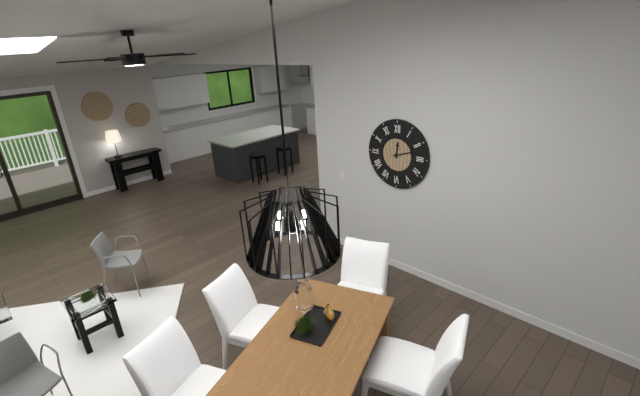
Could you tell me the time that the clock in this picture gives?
12:12
